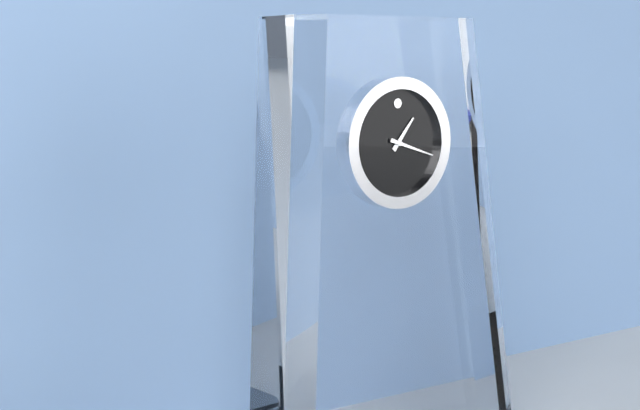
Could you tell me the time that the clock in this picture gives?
1:18
